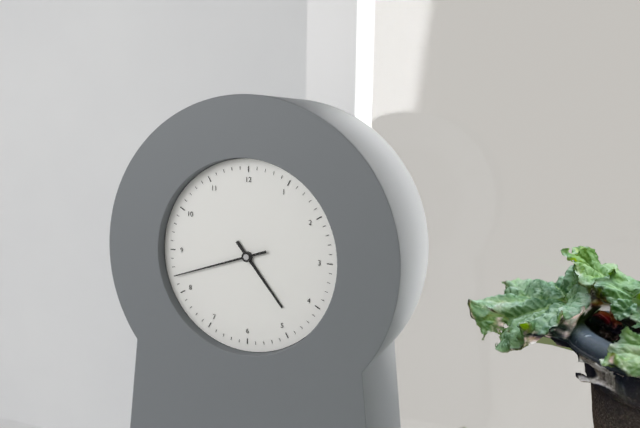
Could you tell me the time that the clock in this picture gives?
4:42
